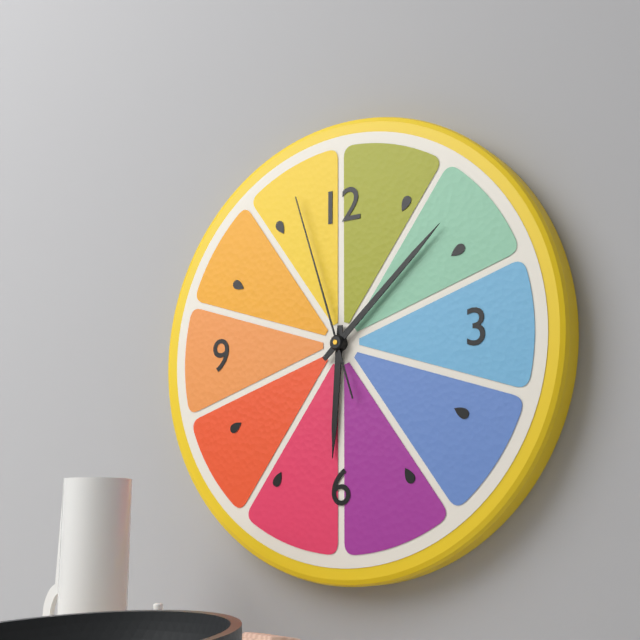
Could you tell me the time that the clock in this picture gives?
6:08:57
